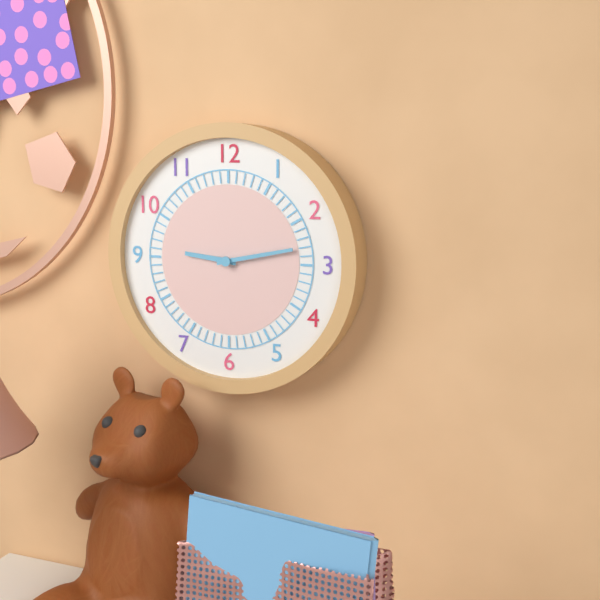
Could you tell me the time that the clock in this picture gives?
9:13
